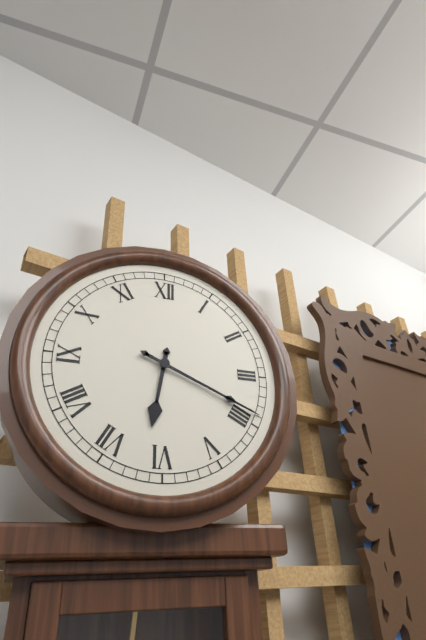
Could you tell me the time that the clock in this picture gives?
6:19
